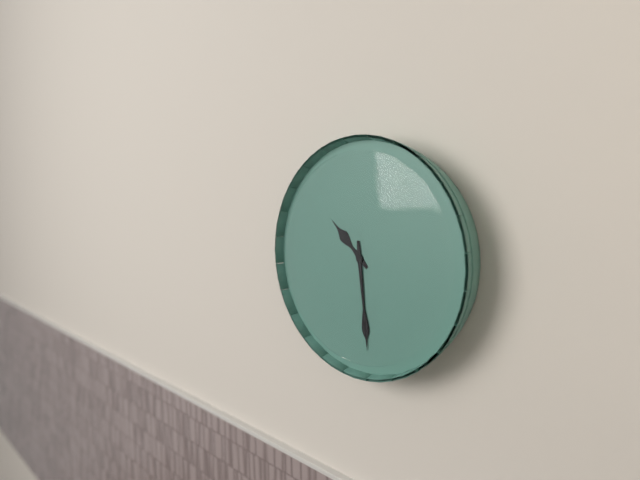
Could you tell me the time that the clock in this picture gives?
10:29
